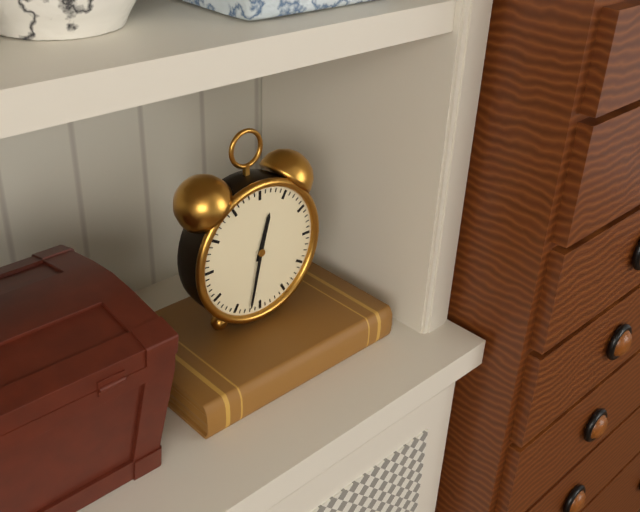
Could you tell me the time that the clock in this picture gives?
12:32
